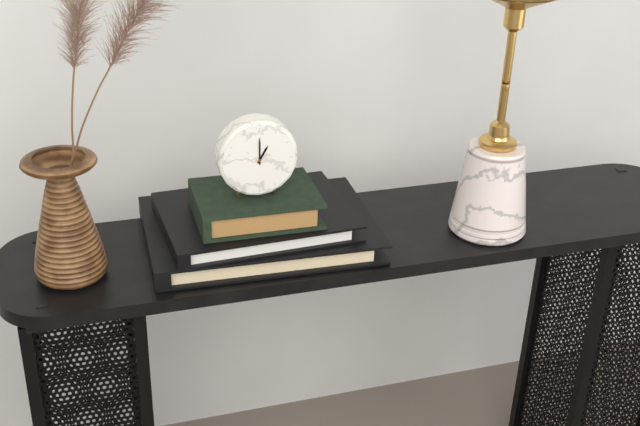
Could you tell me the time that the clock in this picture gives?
1:00
